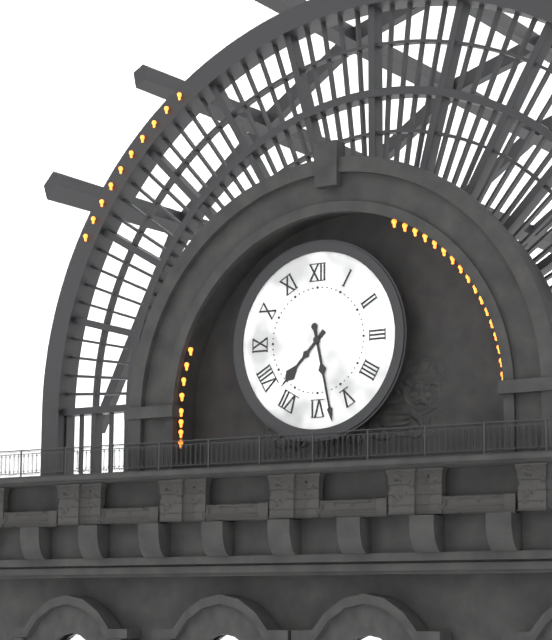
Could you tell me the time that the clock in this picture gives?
7:28
